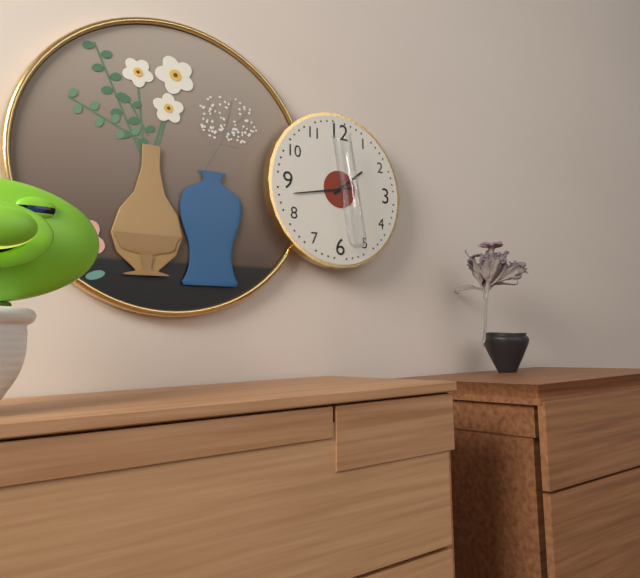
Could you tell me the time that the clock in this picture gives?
1:43
